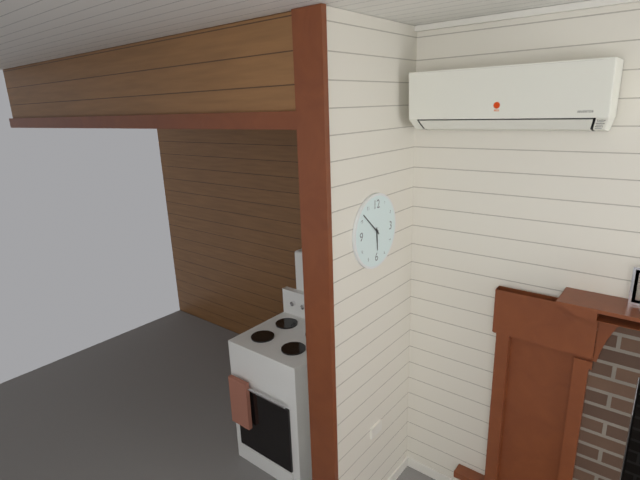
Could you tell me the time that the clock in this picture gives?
5:52
